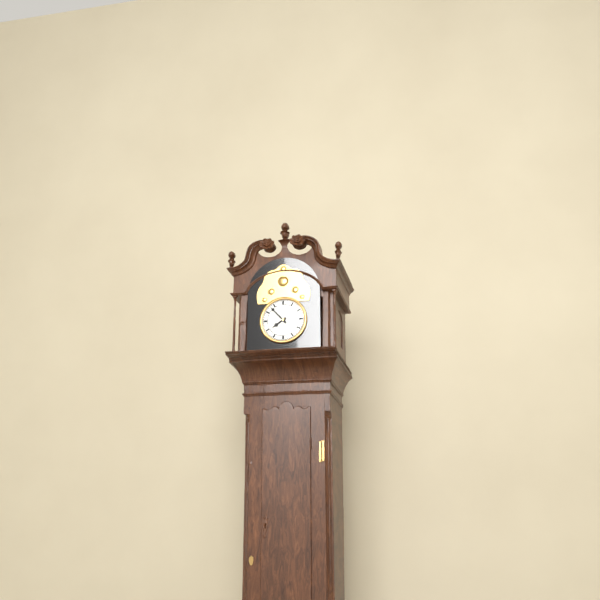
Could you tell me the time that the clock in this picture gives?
7:53
